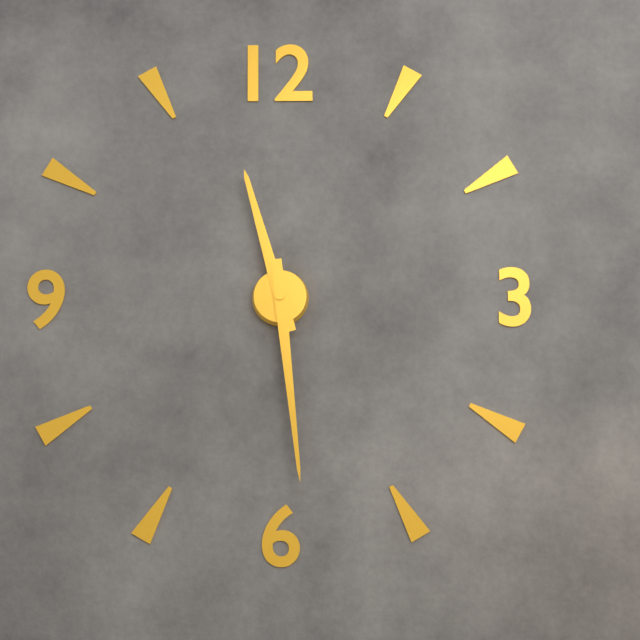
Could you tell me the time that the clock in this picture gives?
11:29
